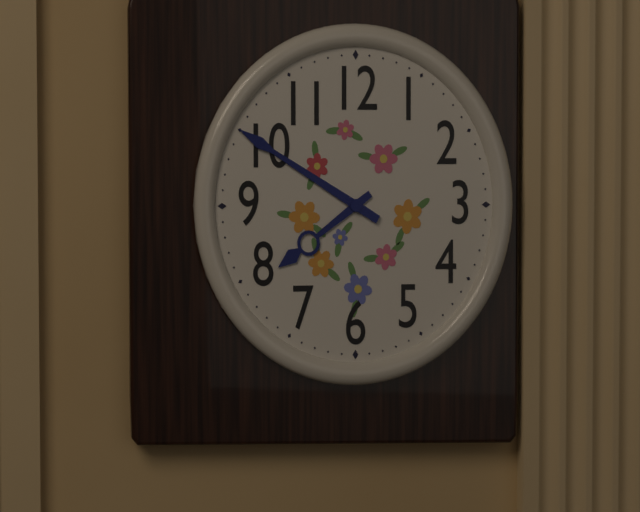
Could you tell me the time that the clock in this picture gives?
7:50
